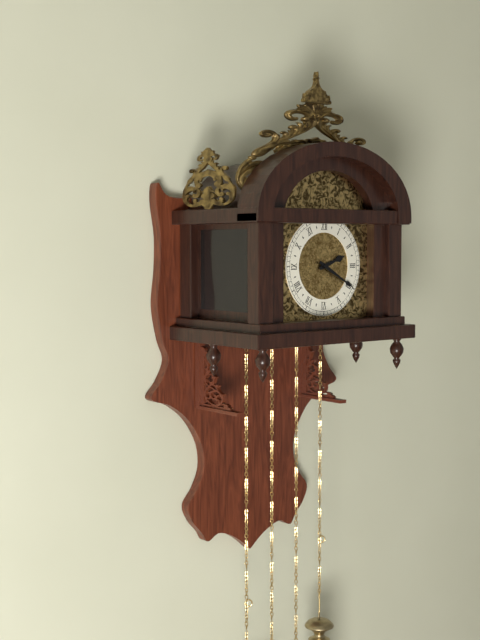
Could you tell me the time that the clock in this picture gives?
2:20
